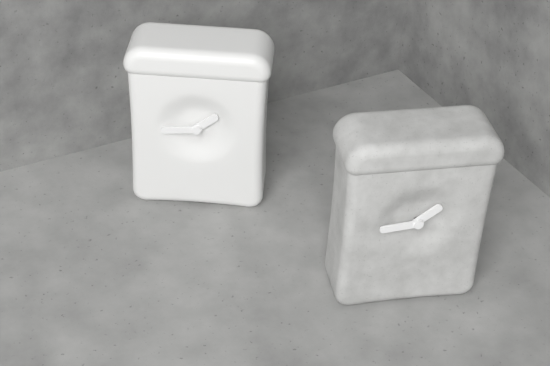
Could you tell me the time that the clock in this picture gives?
1:44
